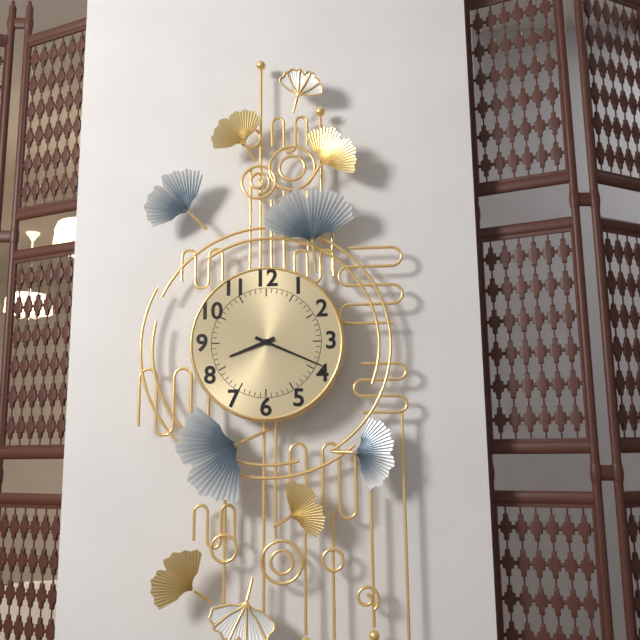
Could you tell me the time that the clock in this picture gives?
8:19
